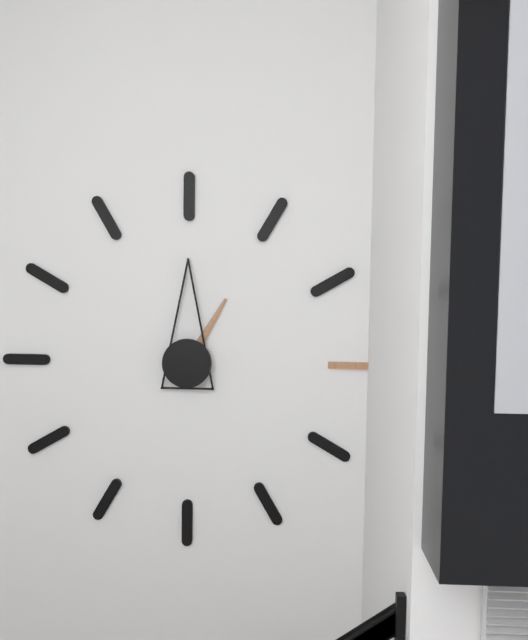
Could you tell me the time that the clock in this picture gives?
1:00
